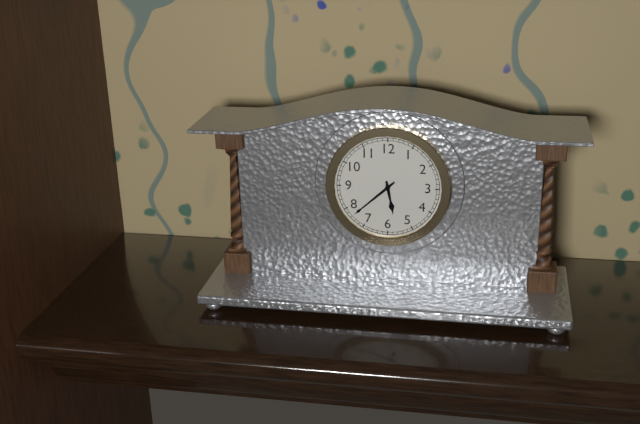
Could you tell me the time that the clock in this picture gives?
5:38
